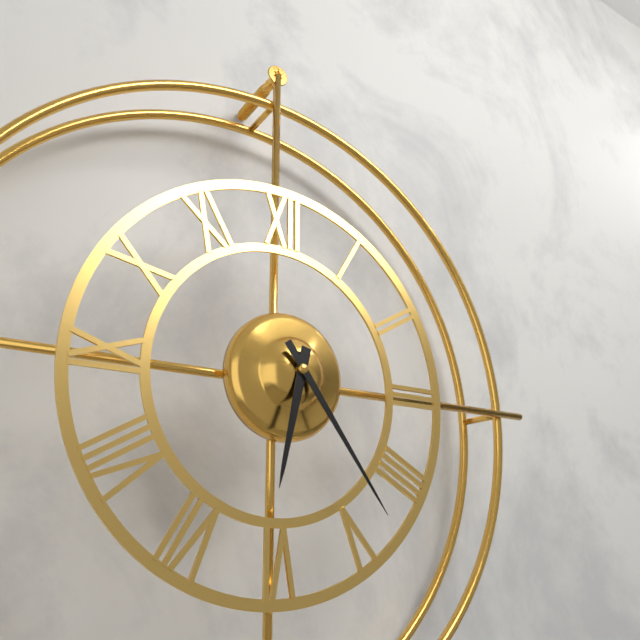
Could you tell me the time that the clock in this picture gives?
6:24
